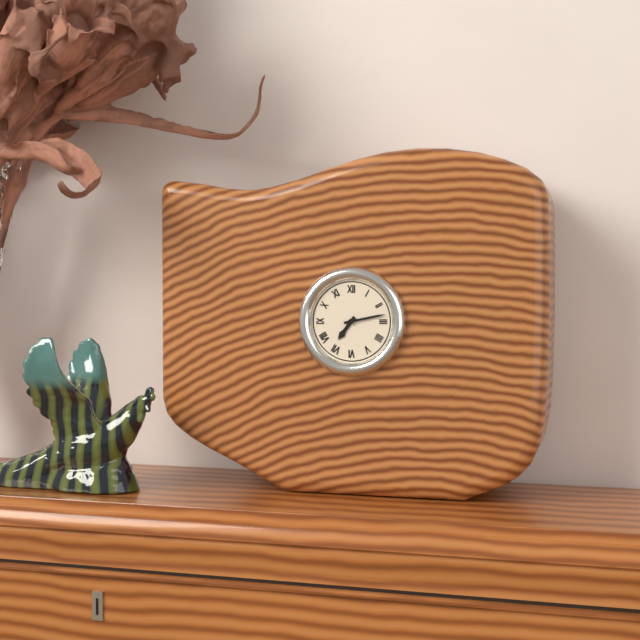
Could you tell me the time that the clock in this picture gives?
7:13
